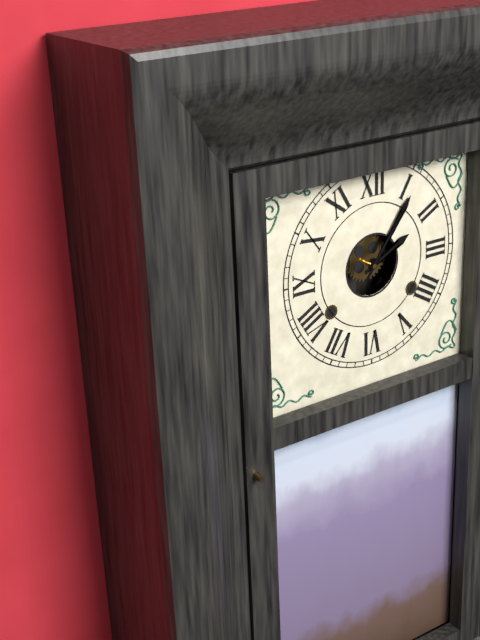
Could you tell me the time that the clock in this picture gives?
2:06
